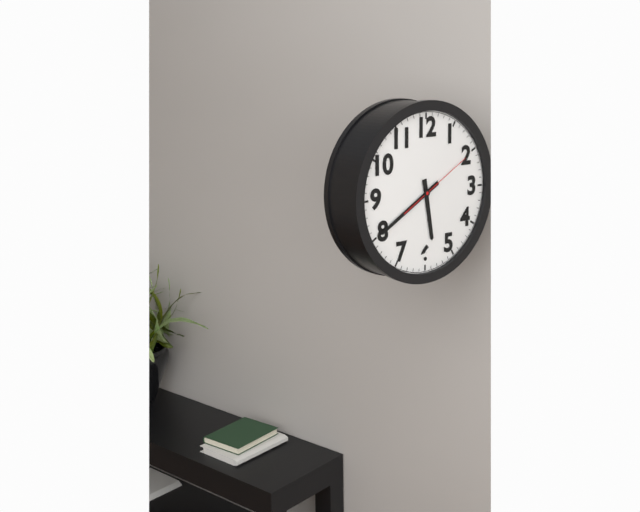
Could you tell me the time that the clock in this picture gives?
5:40:10
